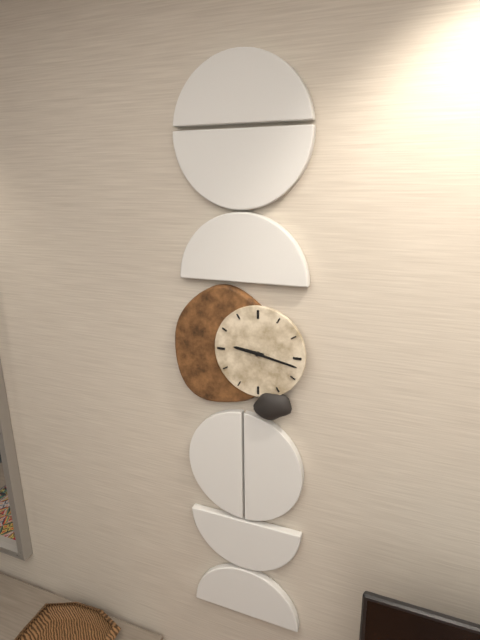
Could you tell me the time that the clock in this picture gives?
9:17
